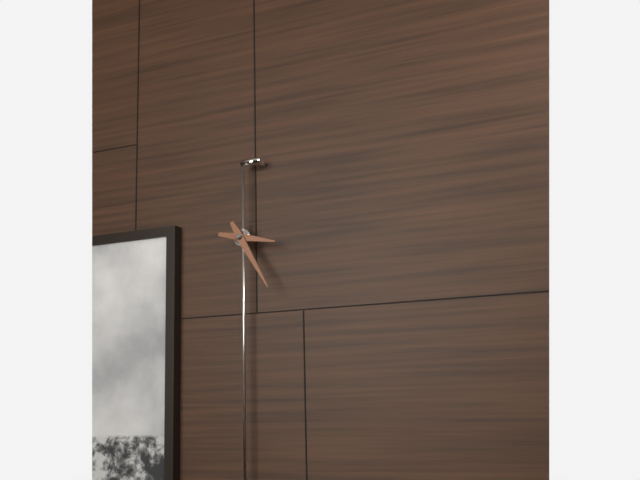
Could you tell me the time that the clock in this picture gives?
3:25
